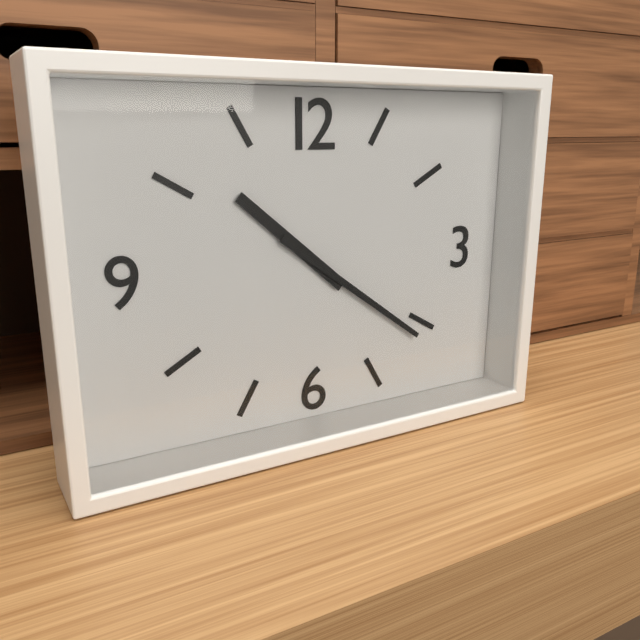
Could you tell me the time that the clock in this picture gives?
10:21
